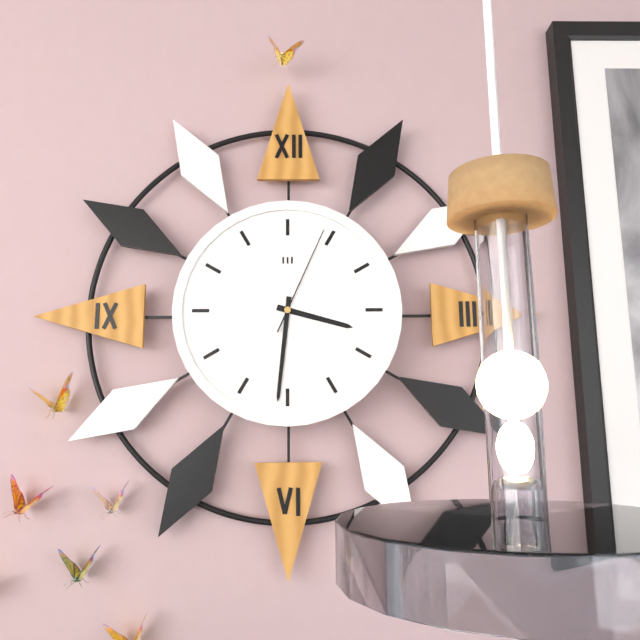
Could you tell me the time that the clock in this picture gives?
3:31:04
